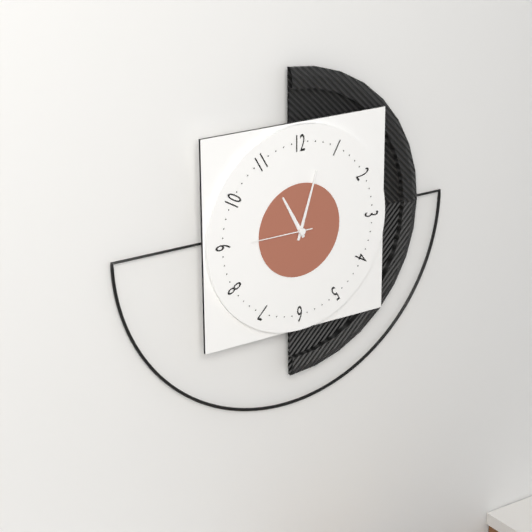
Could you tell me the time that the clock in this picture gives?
11:03:45
